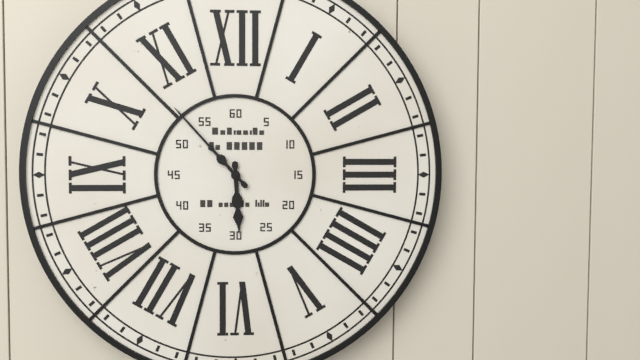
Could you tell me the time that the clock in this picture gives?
5:53
